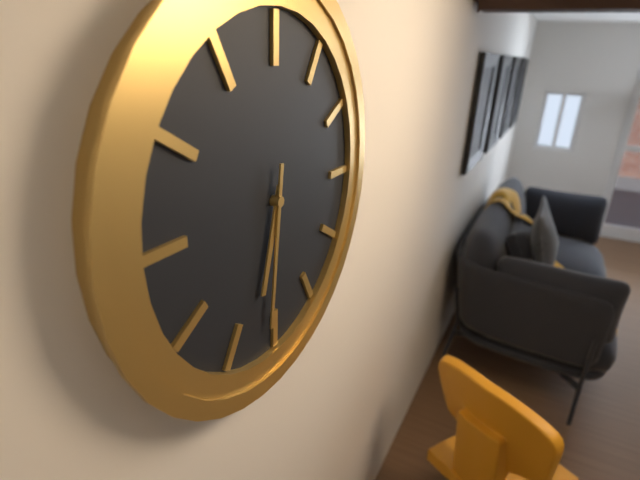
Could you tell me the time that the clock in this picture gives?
6:31
